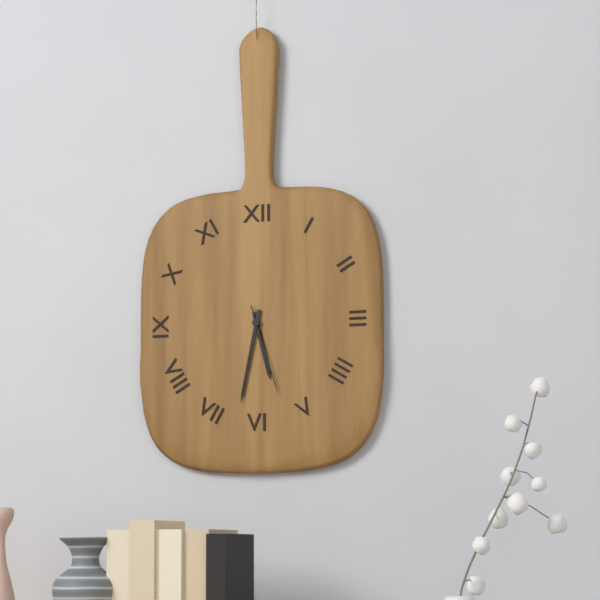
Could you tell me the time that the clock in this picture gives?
5:32:27
